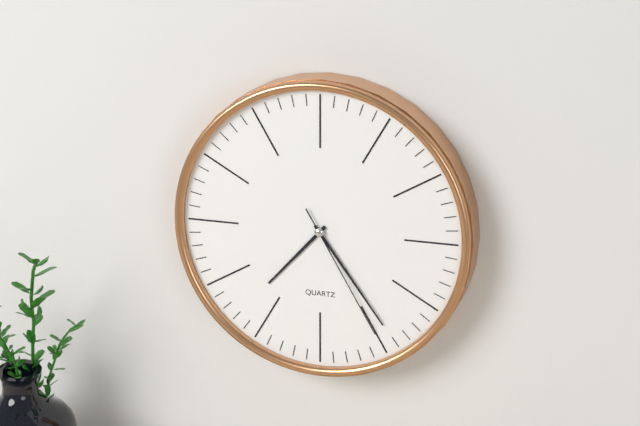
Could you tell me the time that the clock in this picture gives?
7:24:25
